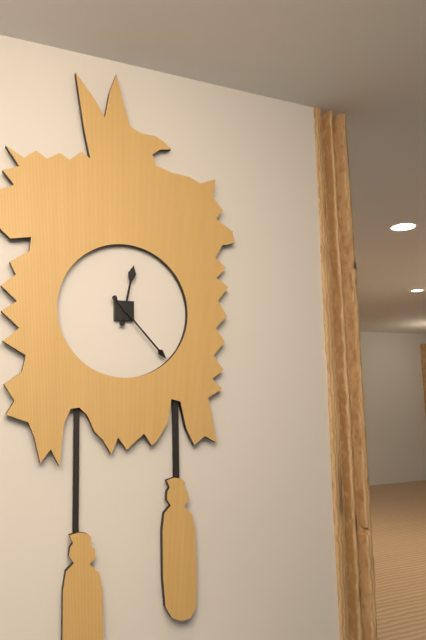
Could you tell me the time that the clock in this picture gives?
12:23
